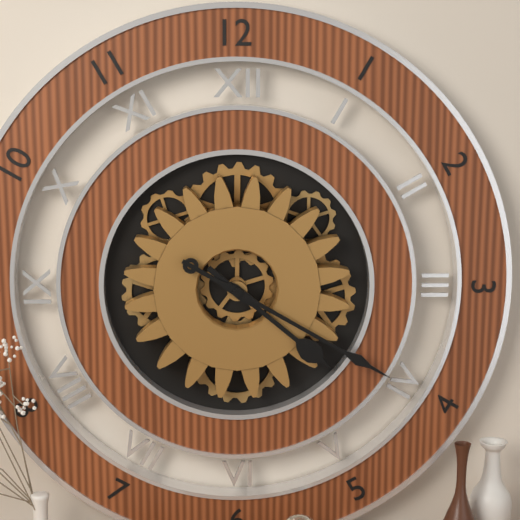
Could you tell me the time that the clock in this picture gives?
4:20
